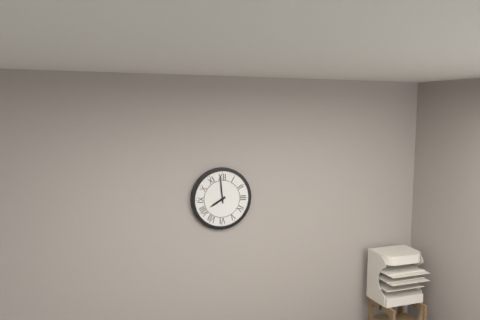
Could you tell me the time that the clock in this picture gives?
7:59
